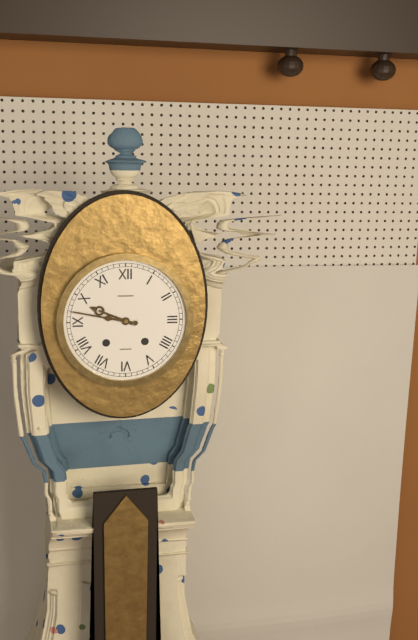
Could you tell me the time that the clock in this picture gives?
9:47
